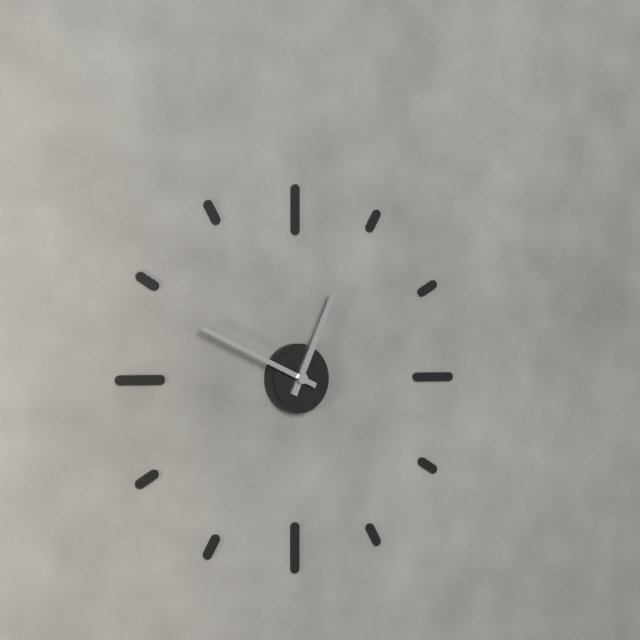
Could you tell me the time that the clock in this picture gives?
12:49
